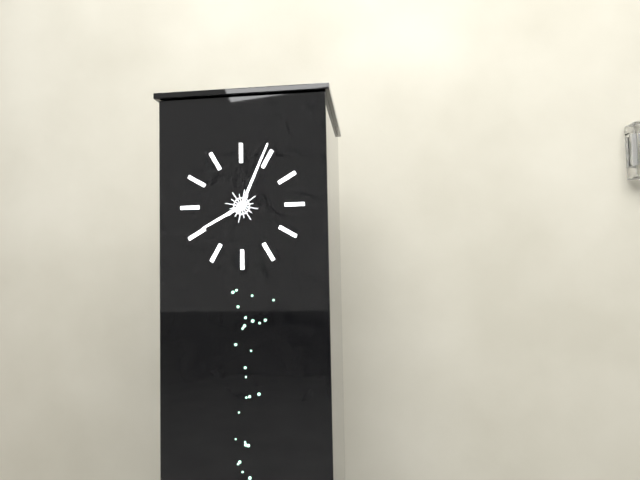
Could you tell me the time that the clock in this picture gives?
8:04
